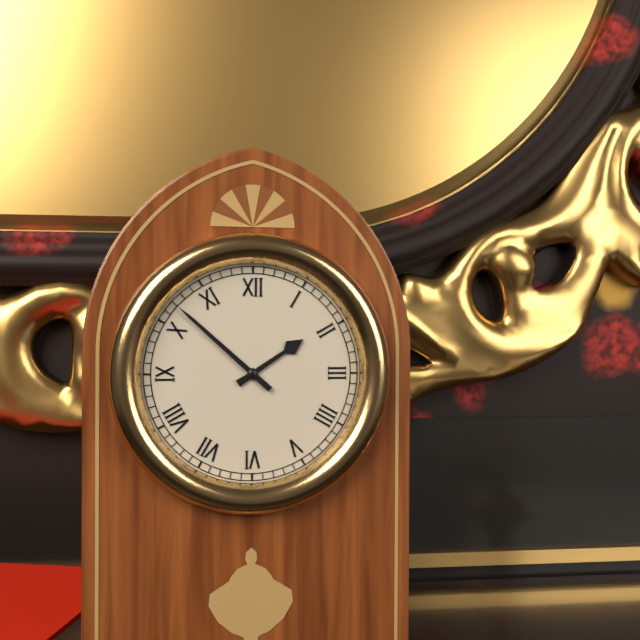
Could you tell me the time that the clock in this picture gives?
1:52
